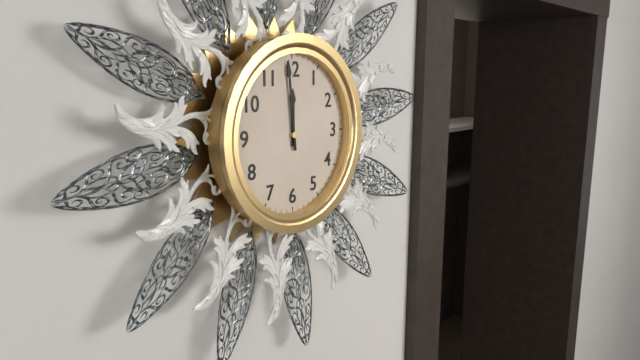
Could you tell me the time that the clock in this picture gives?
11:59
